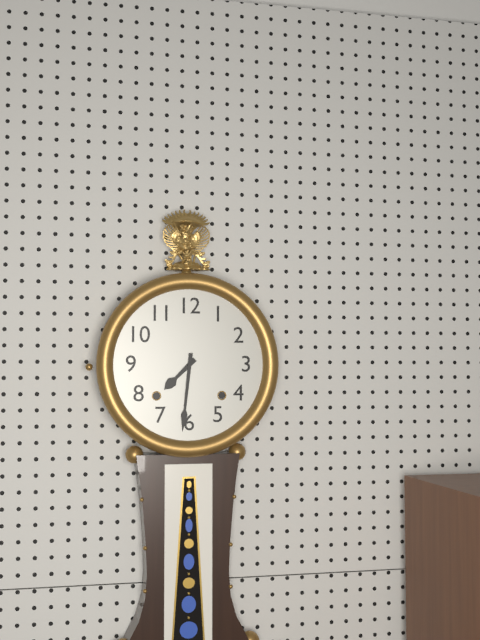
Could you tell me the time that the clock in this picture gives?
7:31
